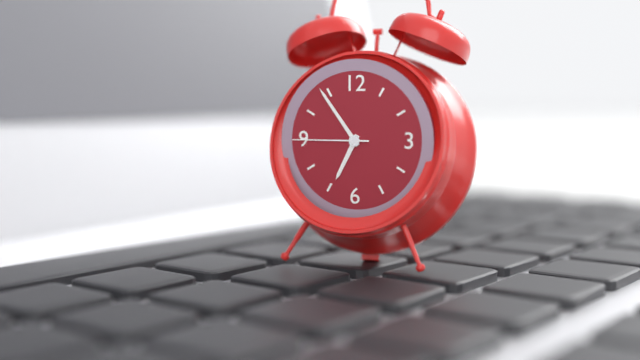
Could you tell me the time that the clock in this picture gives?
6:54:45
